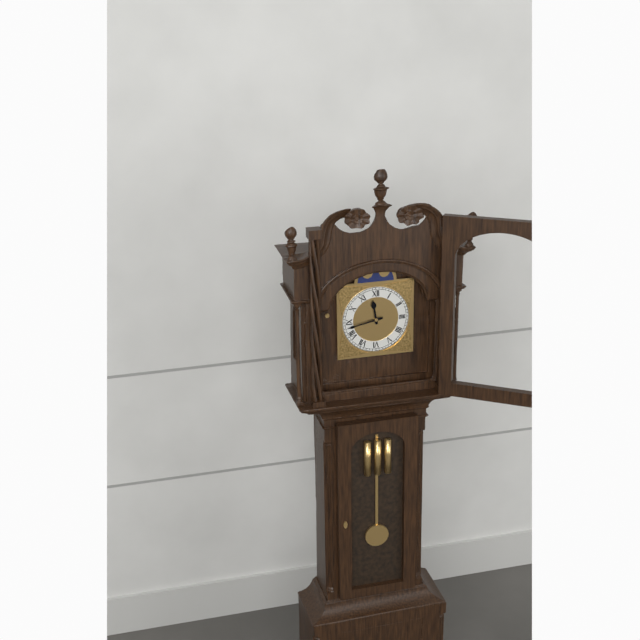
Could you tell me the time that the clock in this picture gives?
11:43
